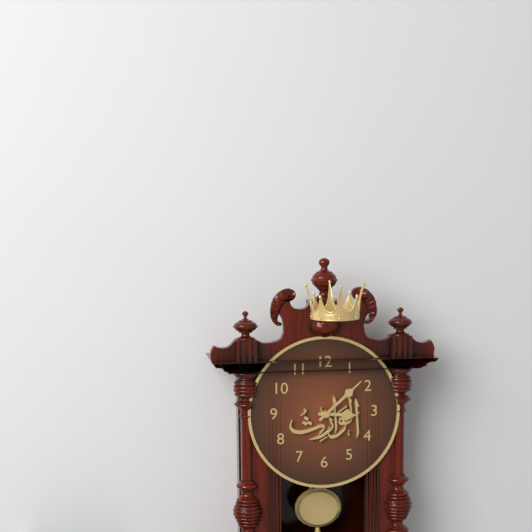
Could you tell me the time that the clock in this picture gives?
3:08
